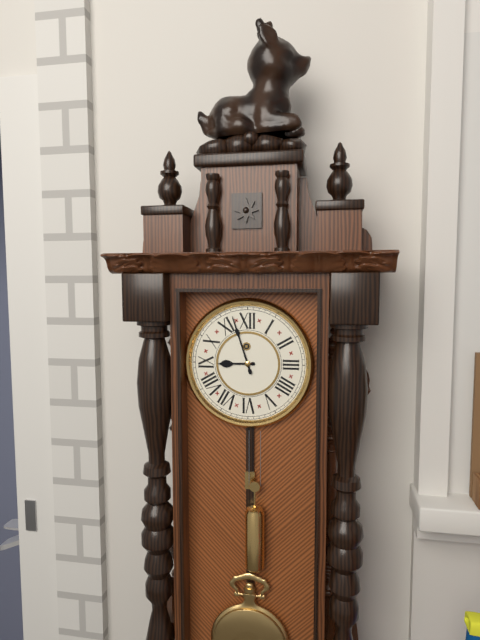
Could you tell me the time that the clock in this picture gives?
8:57
